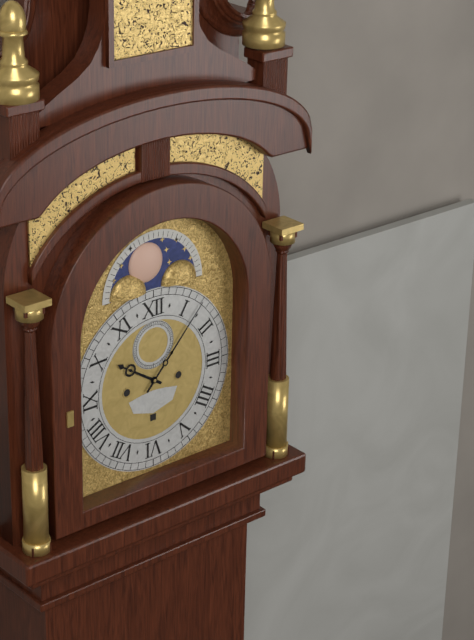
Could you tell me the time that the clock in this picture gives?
10:07
